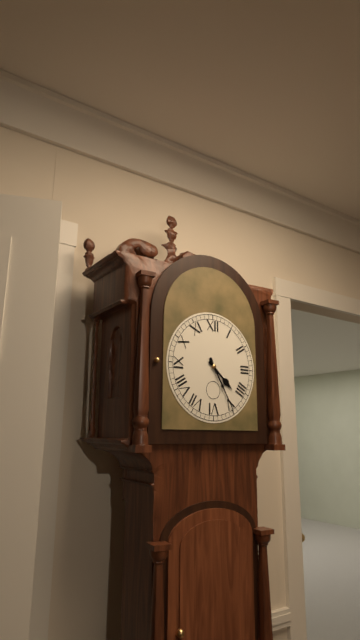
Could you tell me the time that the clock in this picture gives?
4:25
